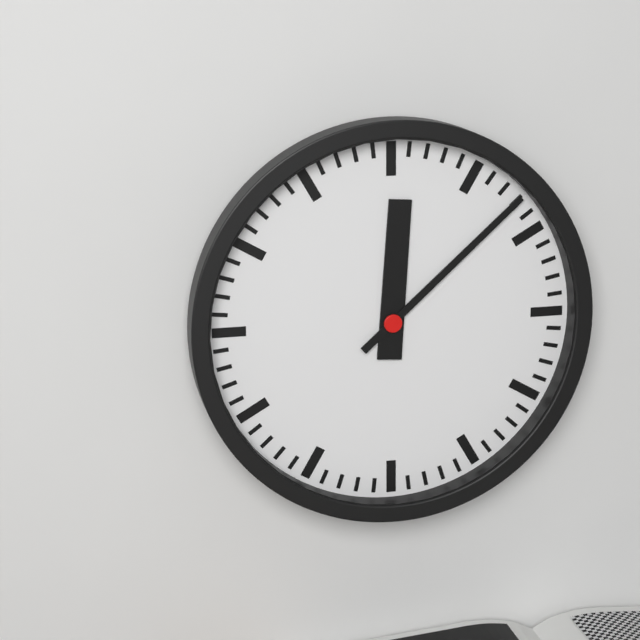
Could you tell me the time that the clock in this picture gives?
12:08
